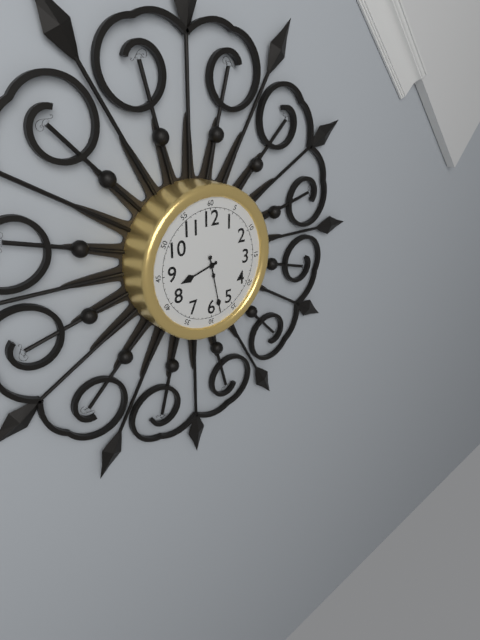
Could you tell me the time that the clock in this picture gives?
8:28
